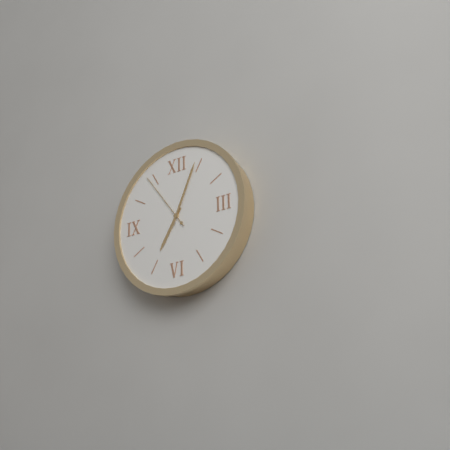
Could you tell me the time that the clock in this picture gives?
7:04:54
